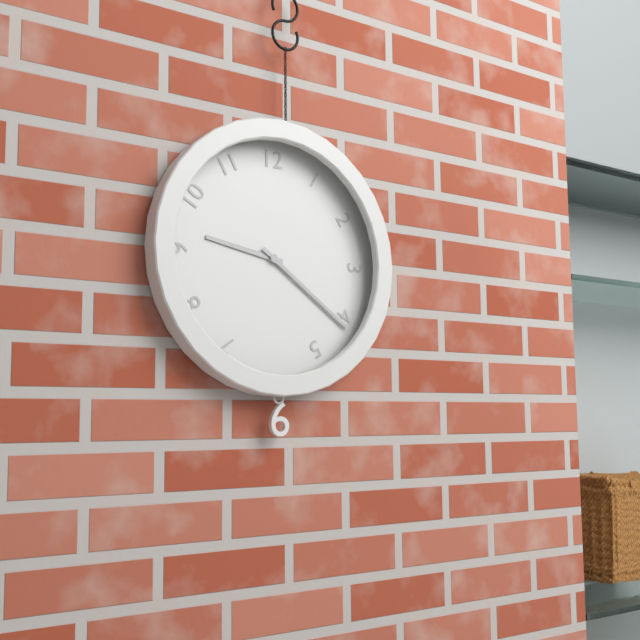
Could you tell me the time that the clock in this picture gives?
9:21
